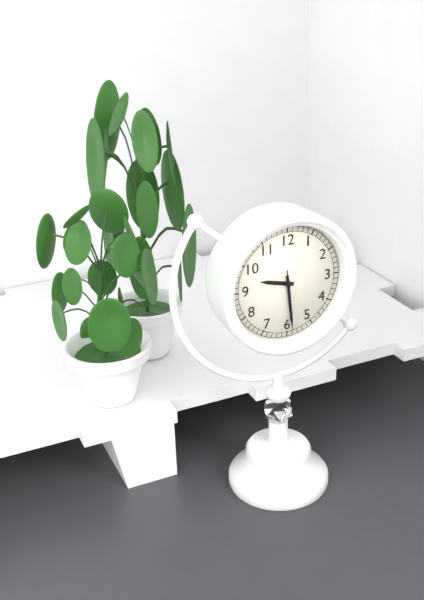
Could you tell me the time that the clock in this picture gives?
9:29:29
